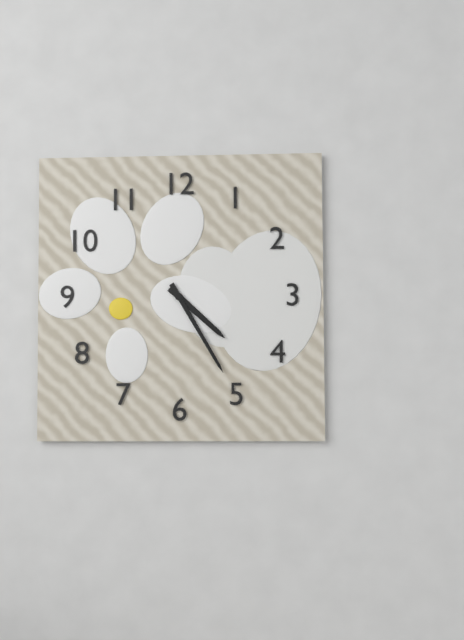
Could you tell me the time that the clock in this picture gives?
4:25
